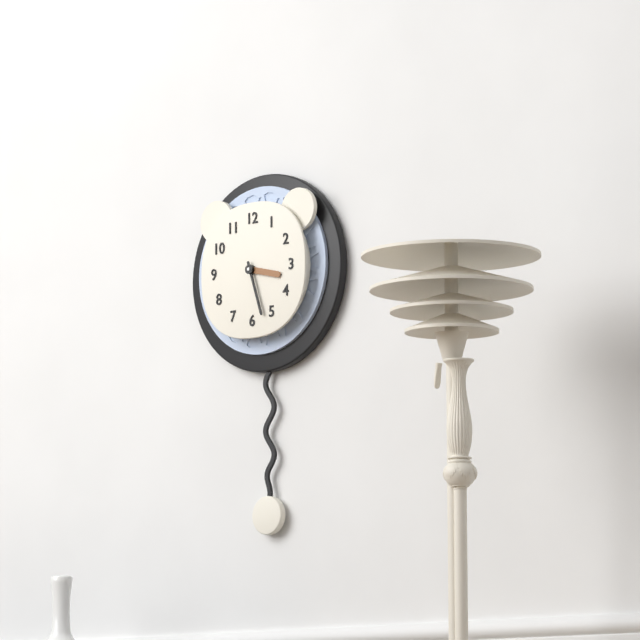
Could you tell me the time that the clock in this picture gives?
3:27
